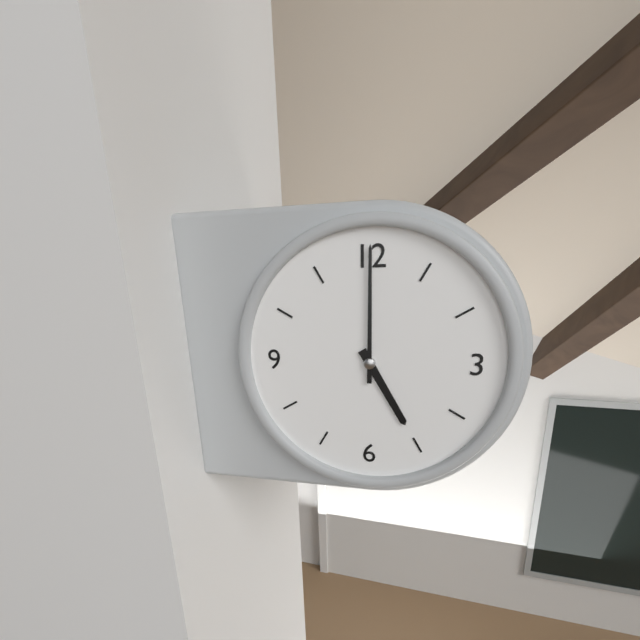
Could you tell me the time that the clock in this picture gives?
5:00
